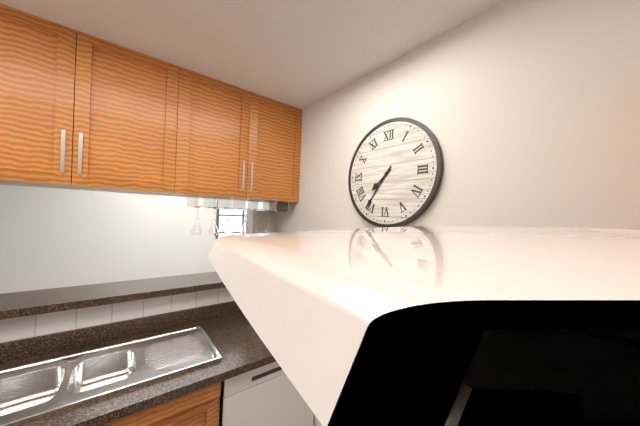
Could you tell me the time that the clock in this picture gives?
7:36
